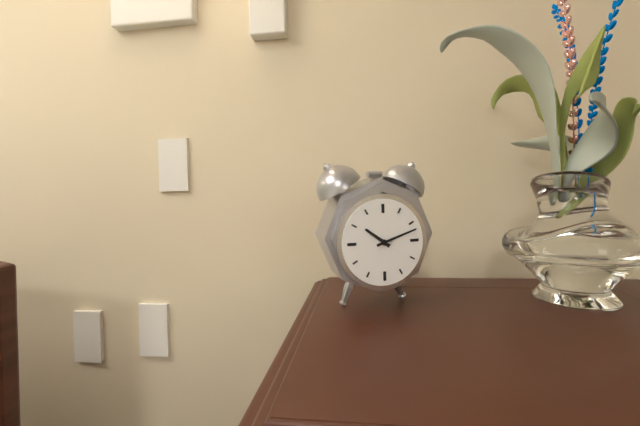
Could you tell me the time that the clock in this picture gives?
10:12
